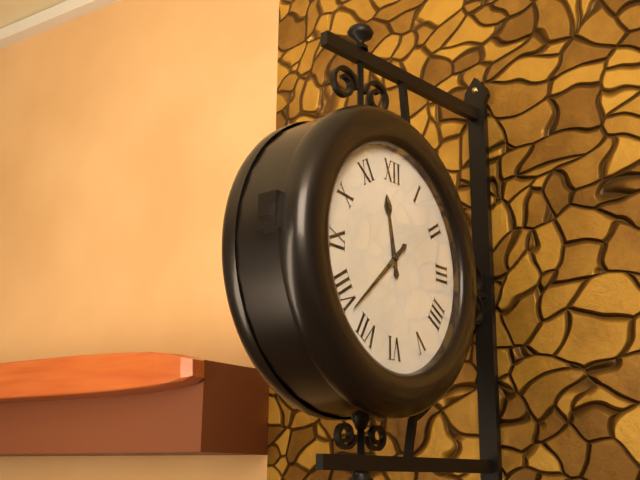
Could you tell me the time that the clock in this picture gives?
11:38
